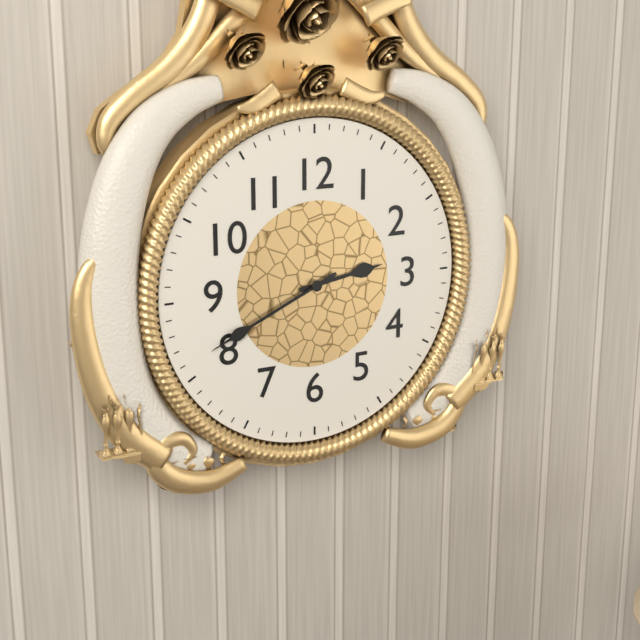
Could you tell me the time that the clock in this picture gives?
2:41
